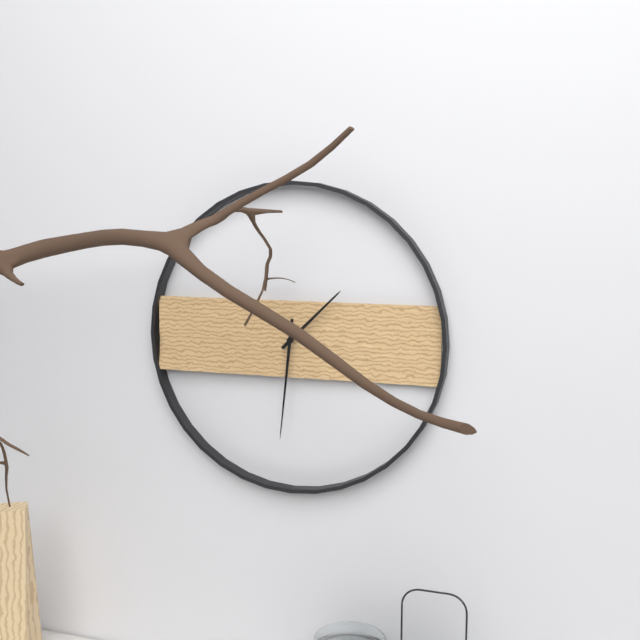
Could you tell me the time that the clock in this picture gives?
1:31
